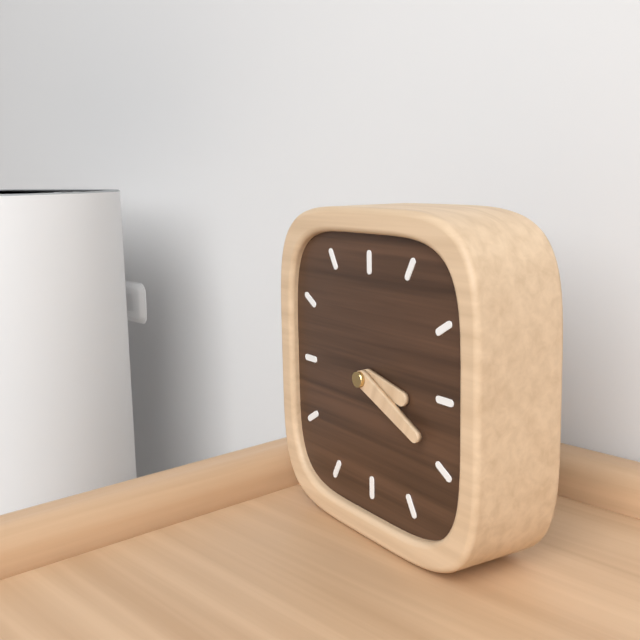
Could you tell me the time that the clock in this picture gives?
3:19
